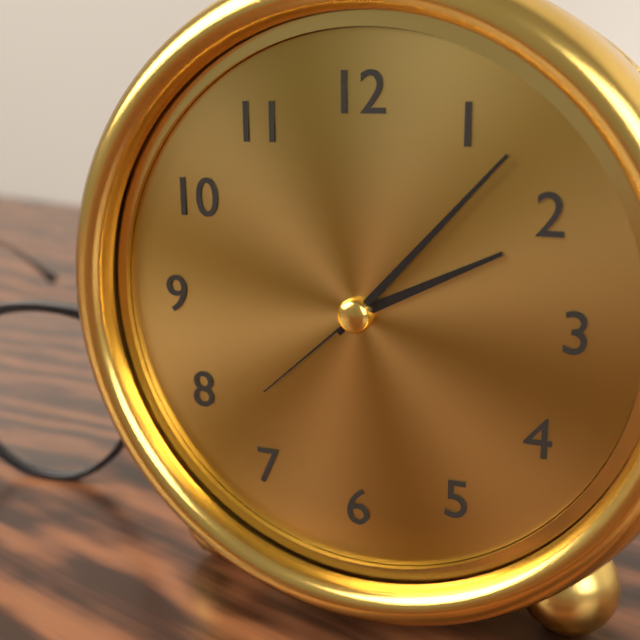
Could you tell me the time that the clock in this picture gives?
2:07:38
